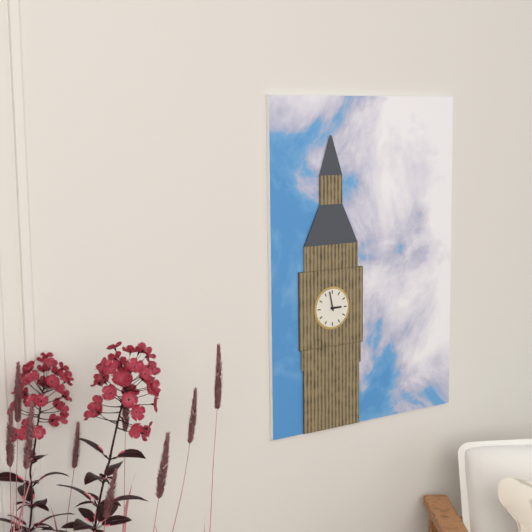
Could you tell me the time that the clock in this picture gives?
2:58
